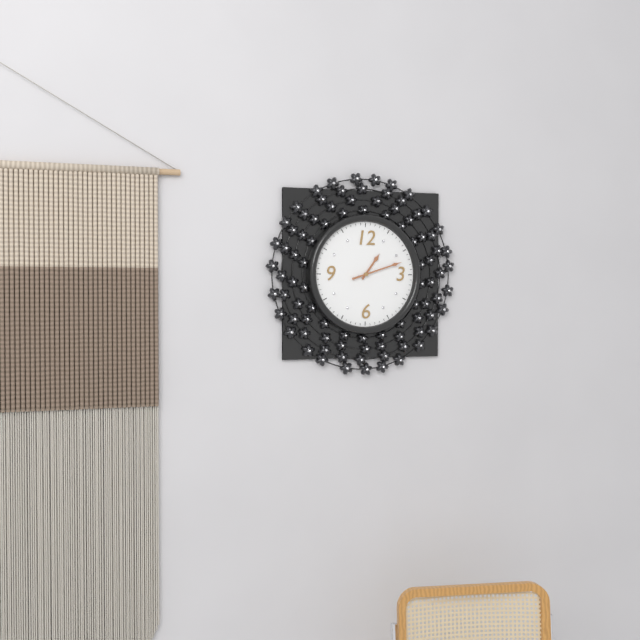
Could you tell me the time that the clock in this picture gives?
1:12
